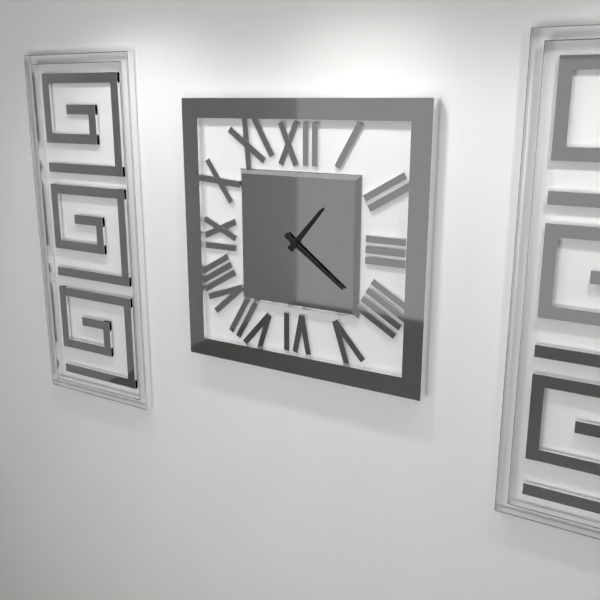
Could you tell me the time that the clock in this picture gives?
1:21
